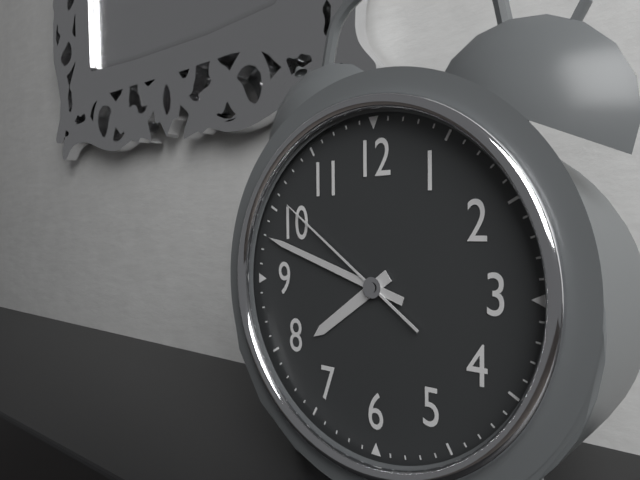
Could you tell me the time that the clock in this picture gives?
7:48:51
